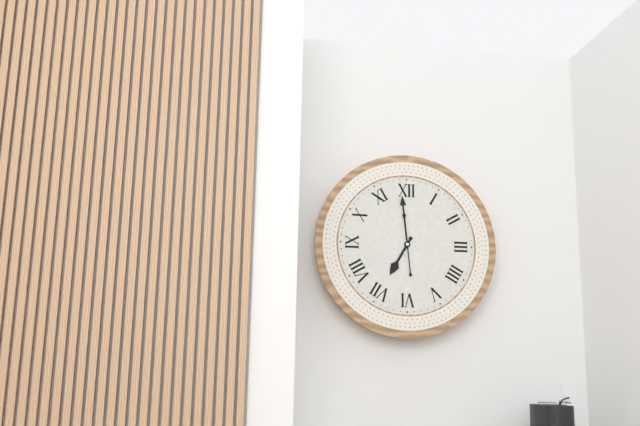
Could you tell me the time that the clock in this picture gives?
6:59
